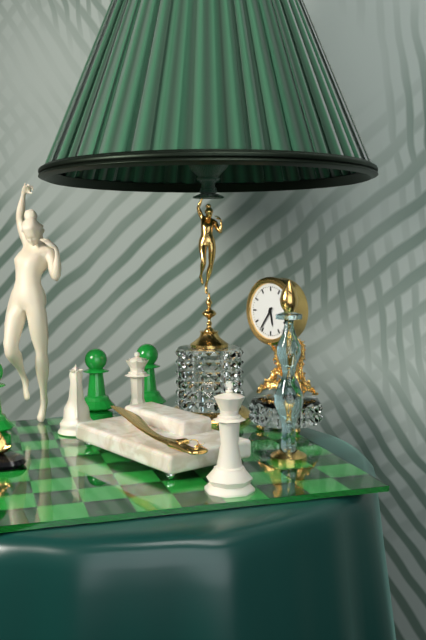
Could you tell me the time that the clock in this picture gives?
5:36
